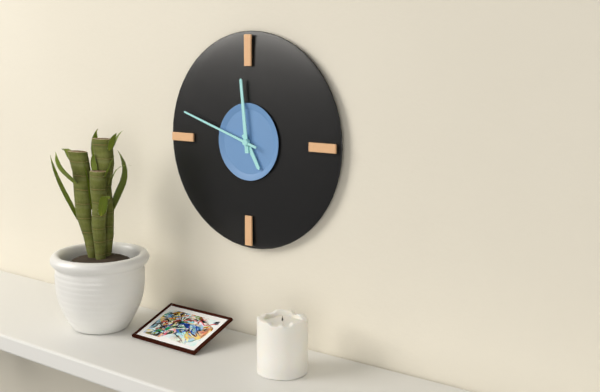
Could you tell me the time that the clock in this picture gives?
4:59:48
